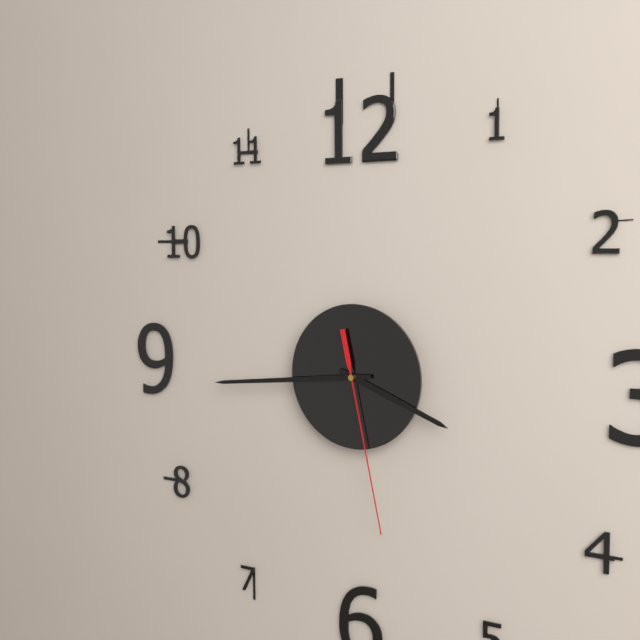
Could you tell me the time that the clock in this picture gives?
3:44:28
